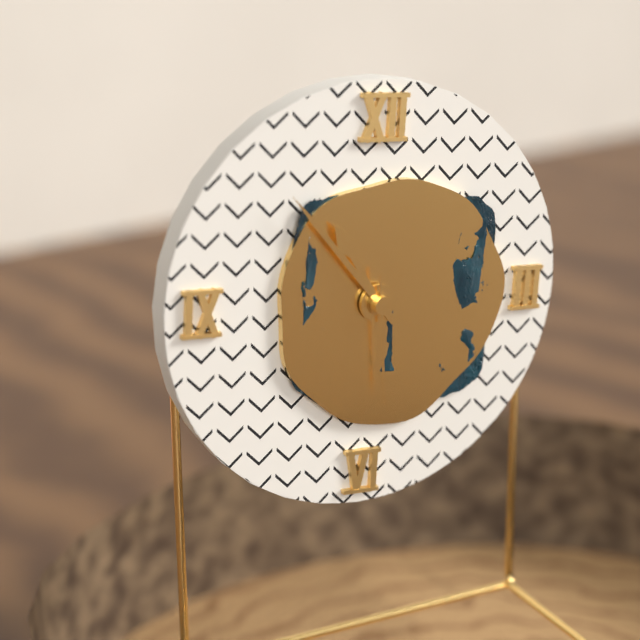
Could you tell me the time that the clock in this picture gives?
10:53:29
